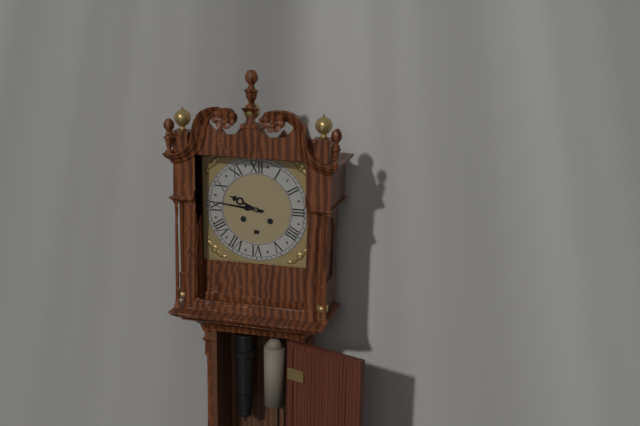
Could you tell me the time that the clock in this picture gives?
9:46
